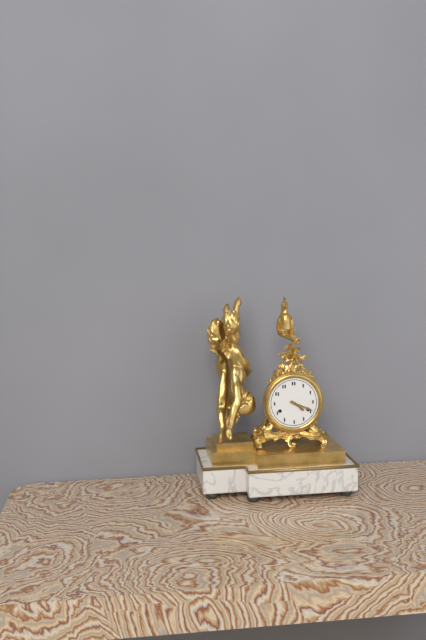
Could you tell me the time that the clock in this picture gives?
4:19
